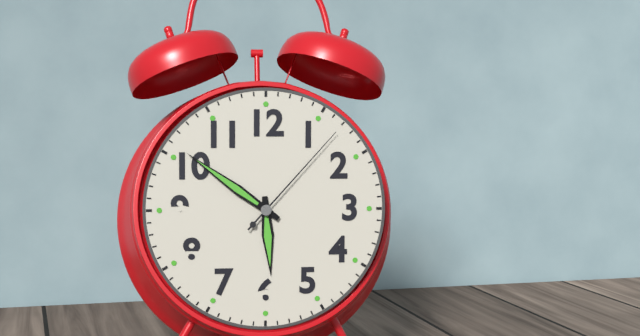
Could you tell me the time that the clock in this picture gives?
5:51:07
